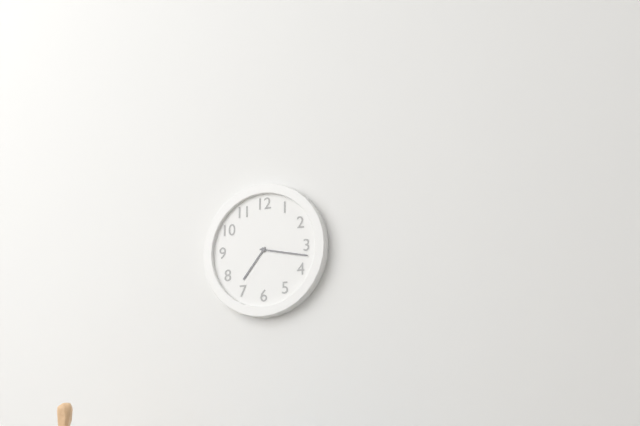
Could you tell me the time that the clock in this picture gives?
7:17
